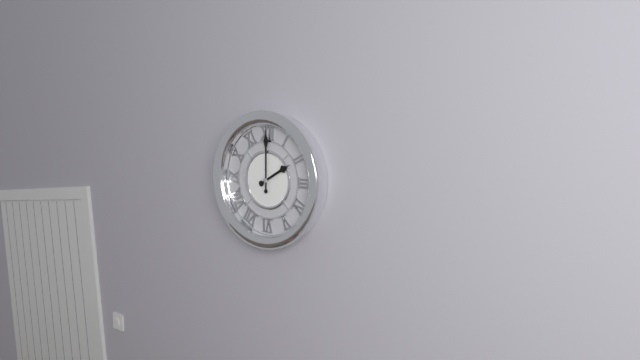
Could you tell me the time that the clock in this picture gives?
2:00
